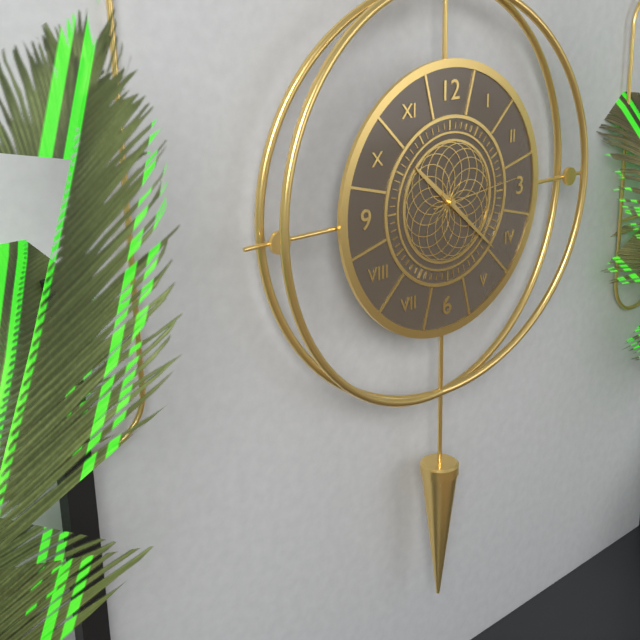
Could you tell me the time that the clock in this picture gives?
10:22:14
